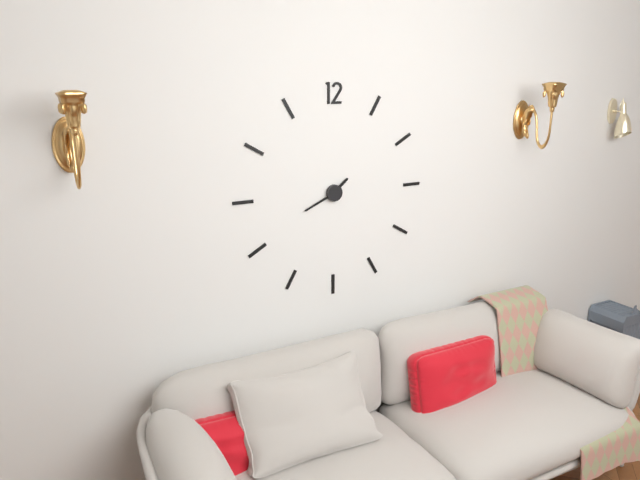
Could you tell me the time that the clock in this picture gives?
1:41
